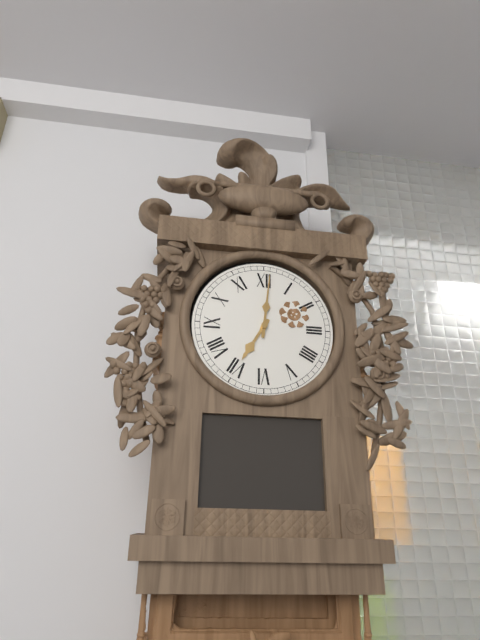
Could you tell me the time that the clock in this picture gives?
7:01
